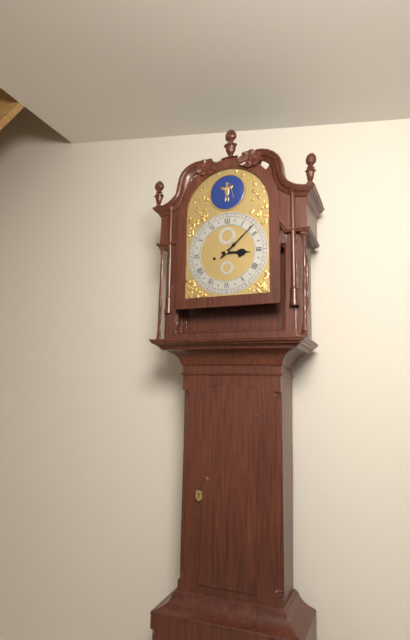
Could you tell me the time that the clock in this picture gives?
3:08
